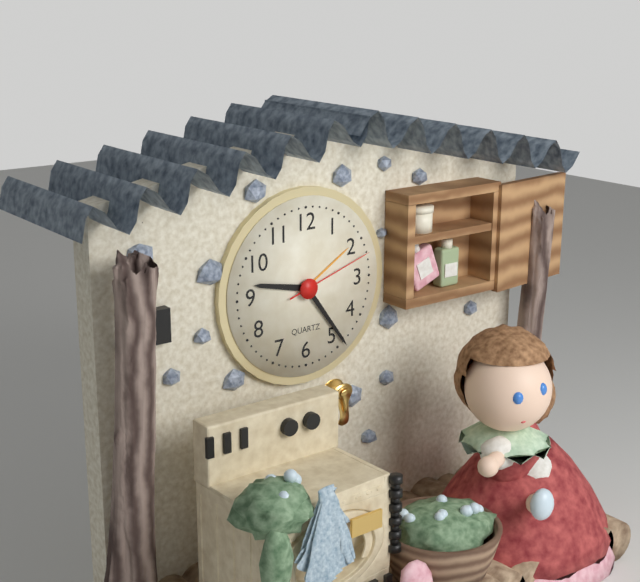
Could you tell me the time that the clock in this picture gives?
9:24:12
